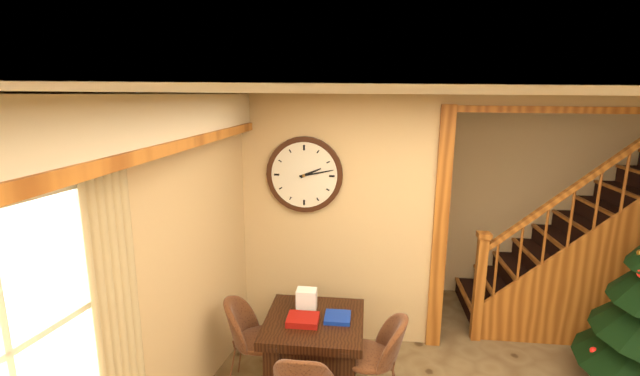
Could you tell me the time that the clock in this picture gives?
2:13
